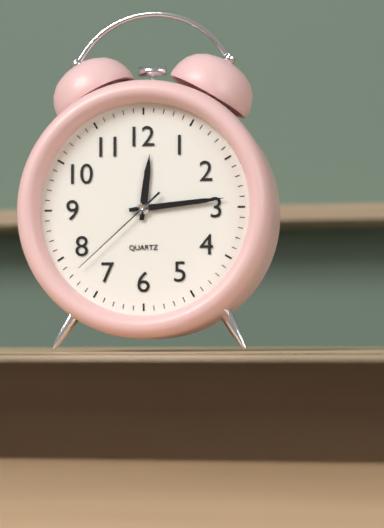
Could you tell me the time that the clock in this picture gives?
12:14:38
